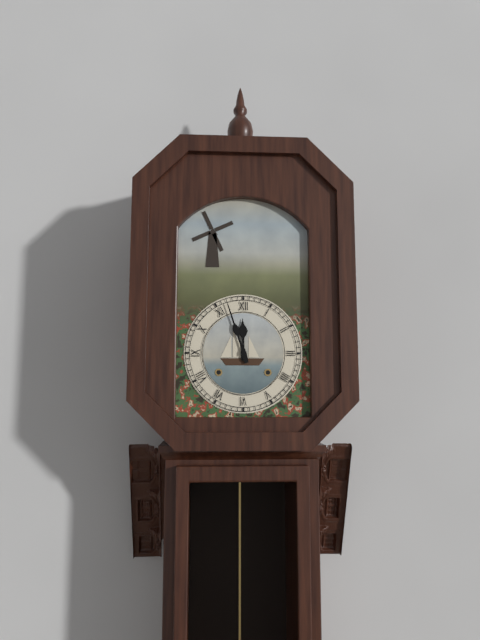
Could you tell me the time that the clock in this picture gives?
11:57
